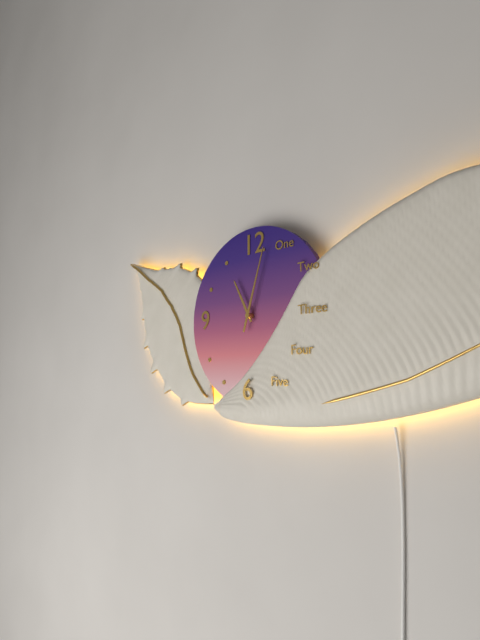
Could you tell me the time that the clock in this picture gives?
11:03
